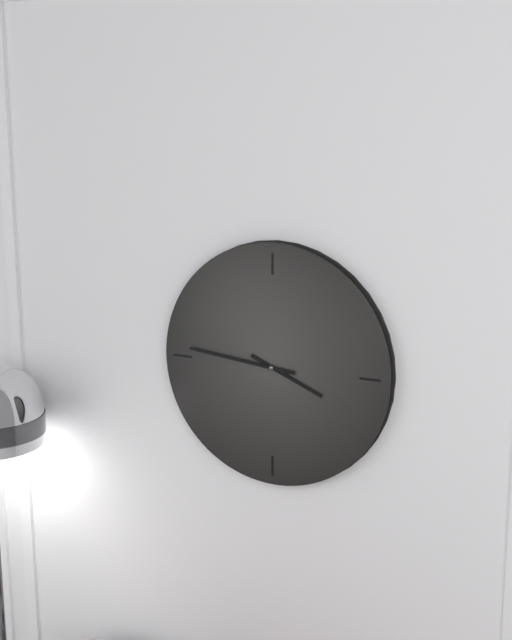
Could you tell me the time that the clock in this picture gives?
3:46
